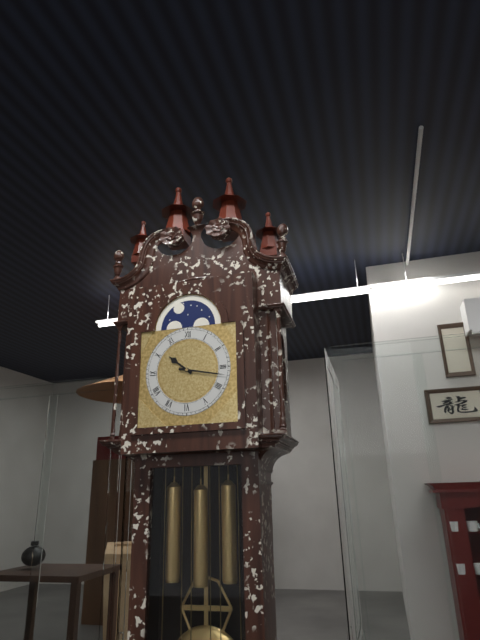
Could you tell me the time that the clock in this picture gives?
10:17
